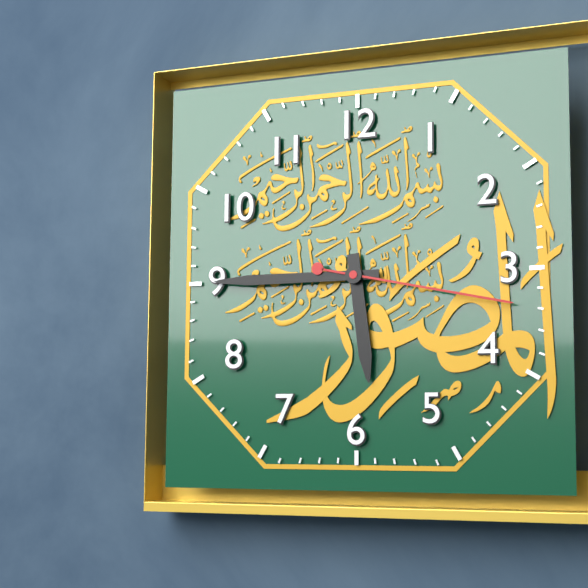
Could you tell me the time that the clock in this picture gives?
5:45:17
